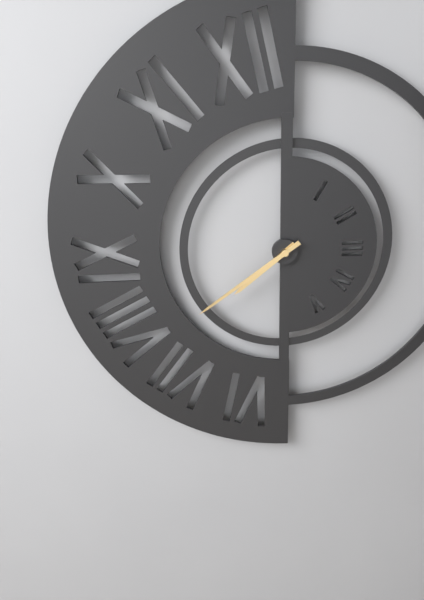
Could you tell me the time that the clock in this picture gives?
7:39
